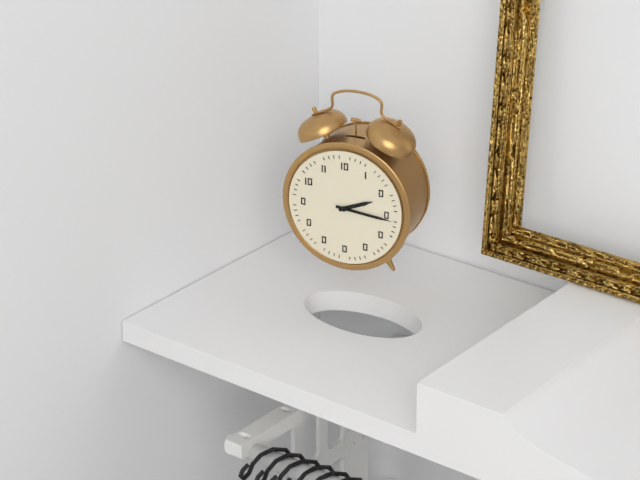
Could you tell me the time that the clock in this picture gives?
2:16
